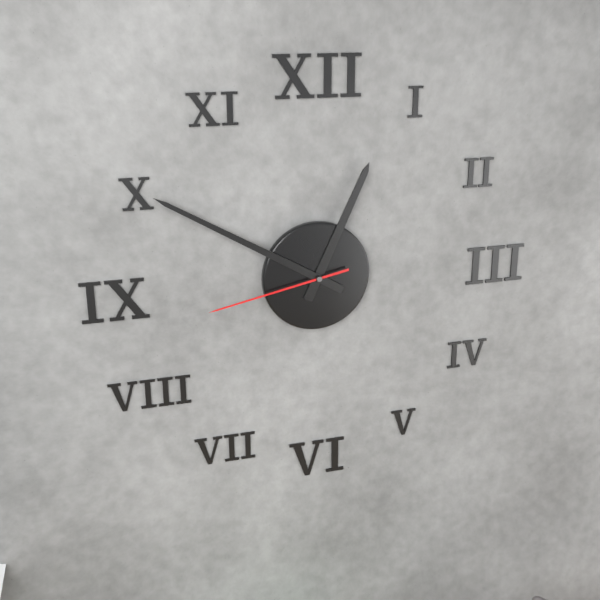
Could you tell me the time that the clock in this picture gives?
12:50:43
